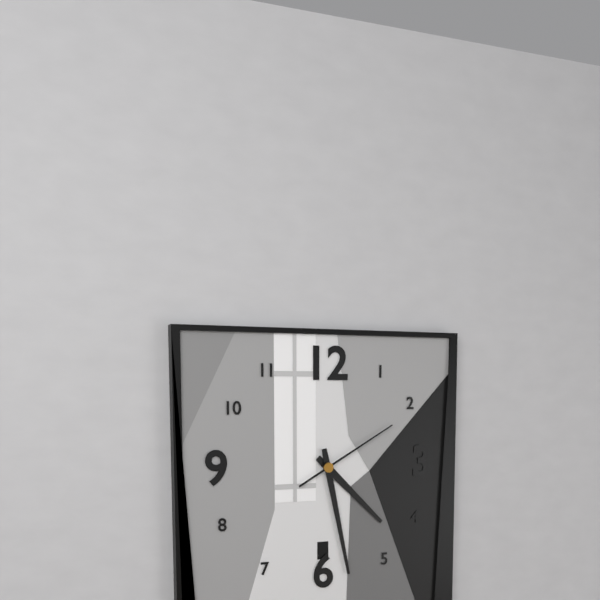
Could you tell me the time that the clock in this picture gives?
4:28:10
